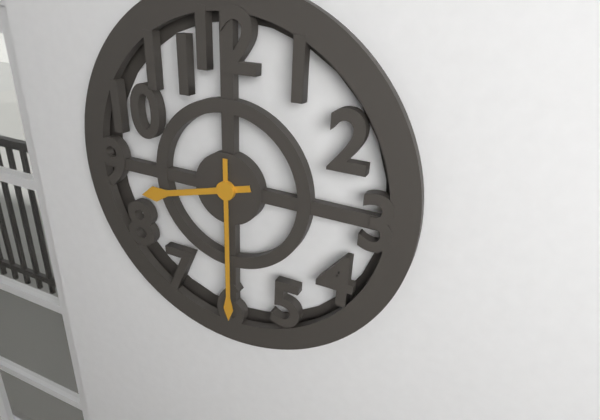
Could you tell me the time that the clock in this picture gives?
8:30
